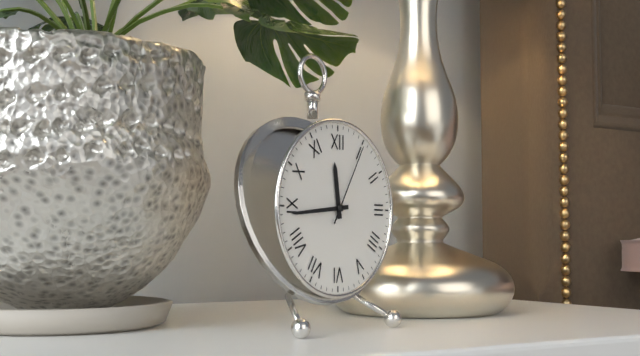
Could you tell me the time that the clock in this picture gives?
11:44:05
